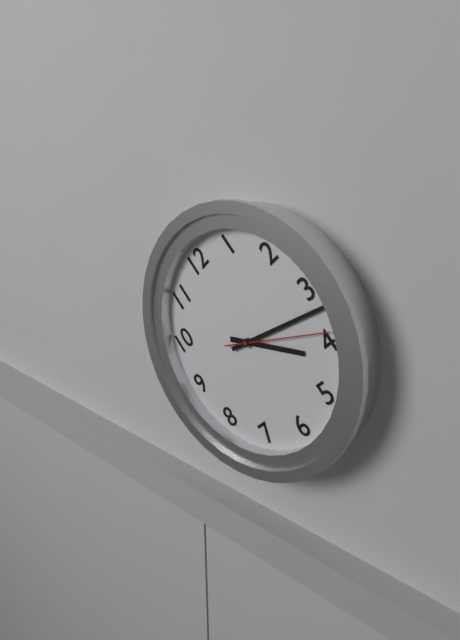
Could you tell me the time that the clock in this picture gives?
4:17:19
